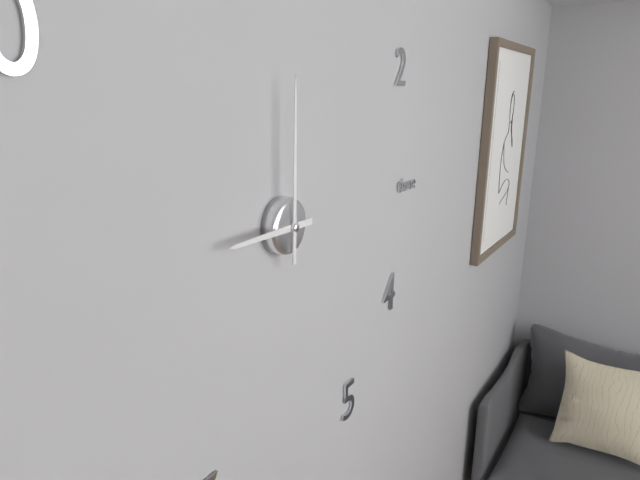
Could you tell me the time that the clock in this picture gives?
9:00
